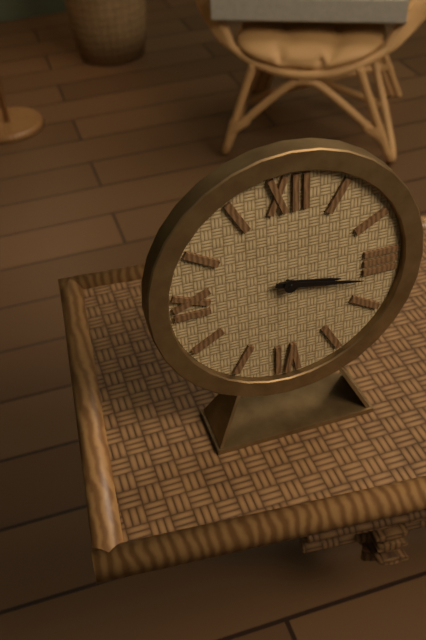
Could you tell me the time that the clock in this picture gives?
3:17
